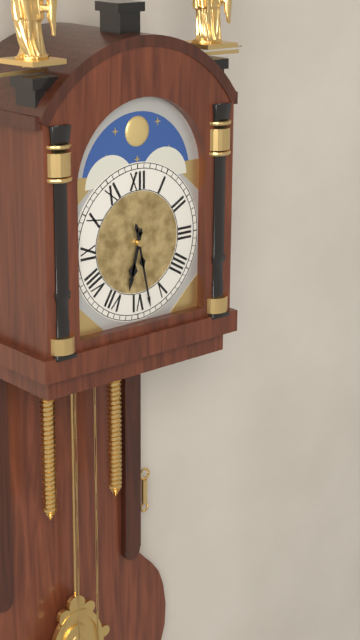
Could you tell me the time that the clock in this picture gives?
6:28
